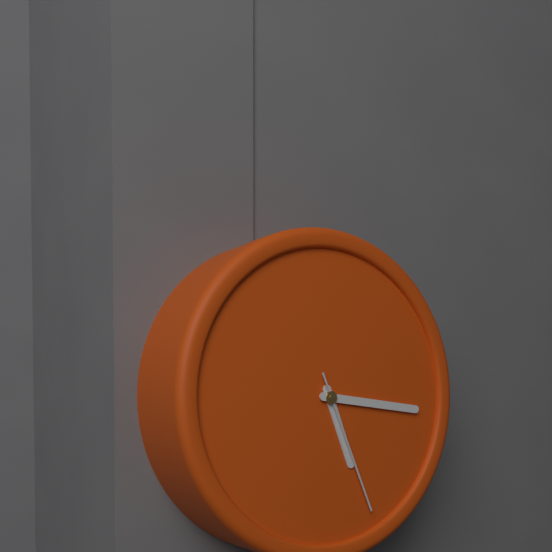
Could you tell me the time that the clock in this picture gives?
5:16:26
